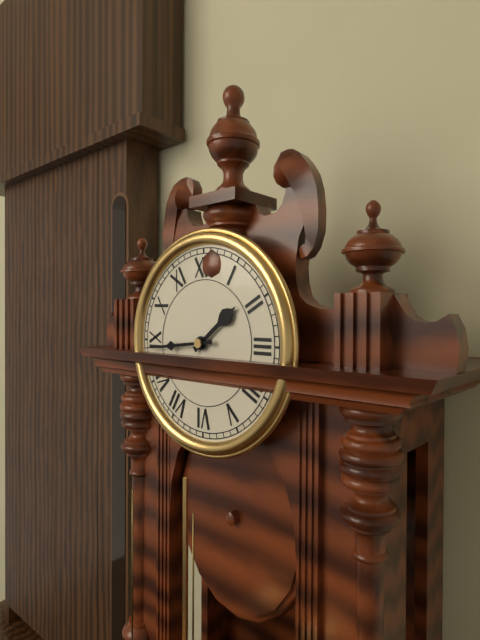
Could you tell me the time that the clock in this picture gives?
1:44
